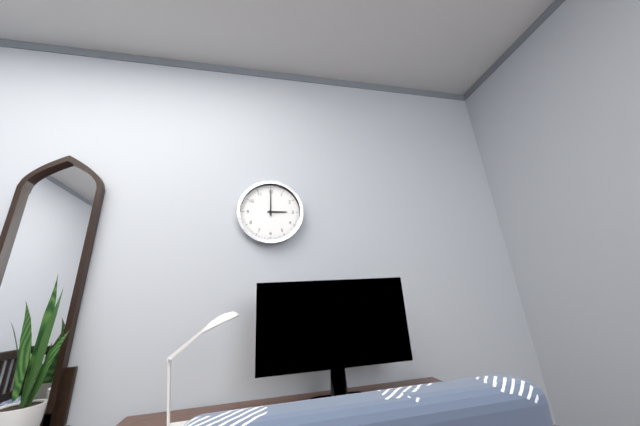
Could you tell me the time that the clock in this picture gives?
3:00
